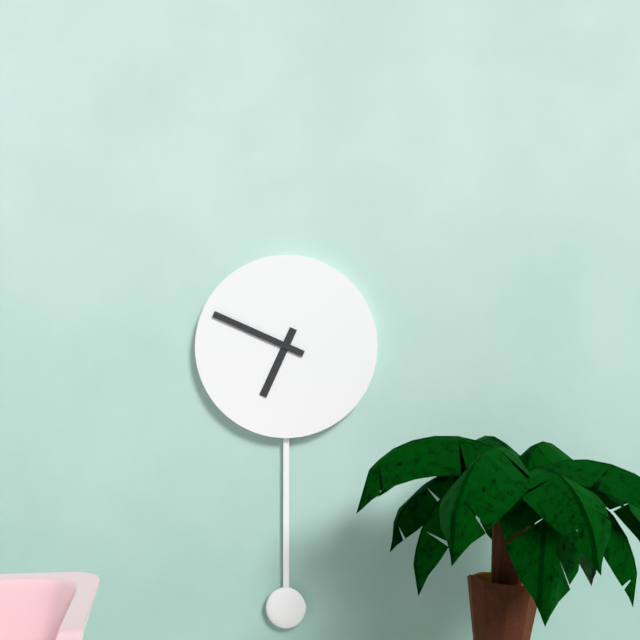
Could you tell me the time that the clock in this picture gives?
6:49
